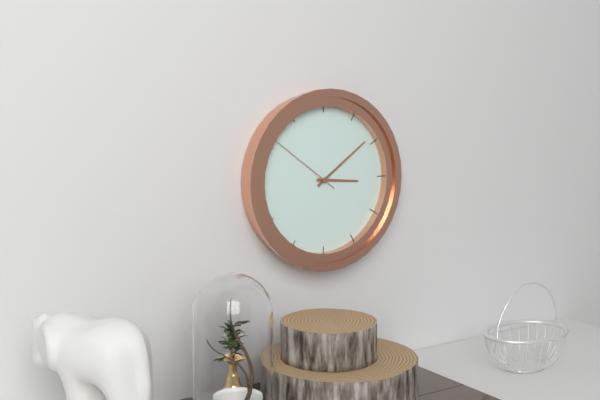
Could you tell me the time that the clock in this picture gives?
3:09:51
